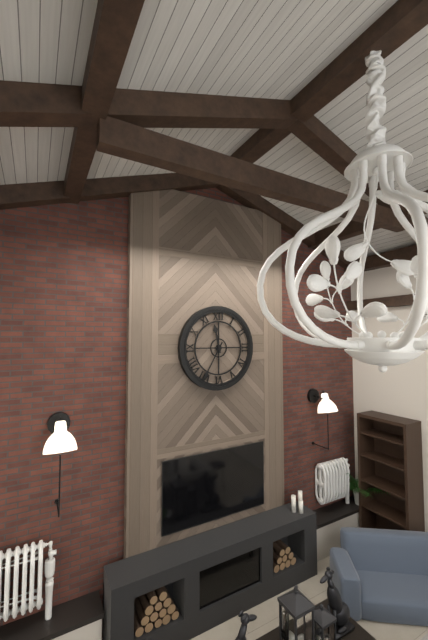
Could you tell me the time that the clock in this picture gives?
11:35
